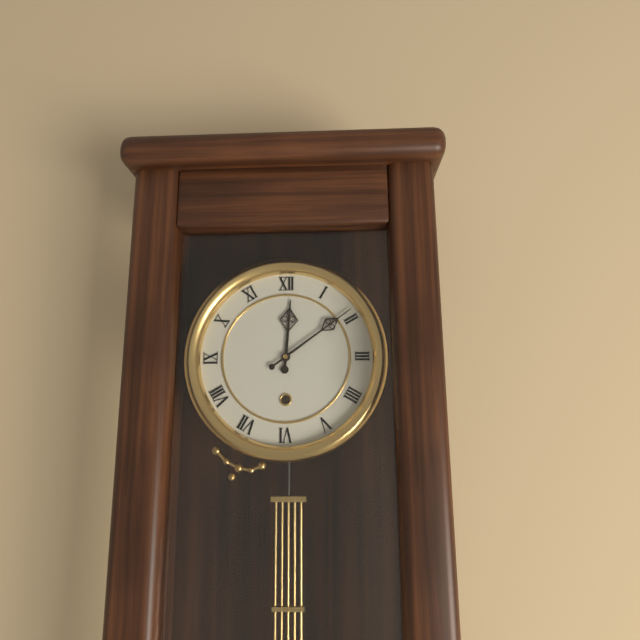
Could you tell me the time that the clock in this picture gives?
12:09
